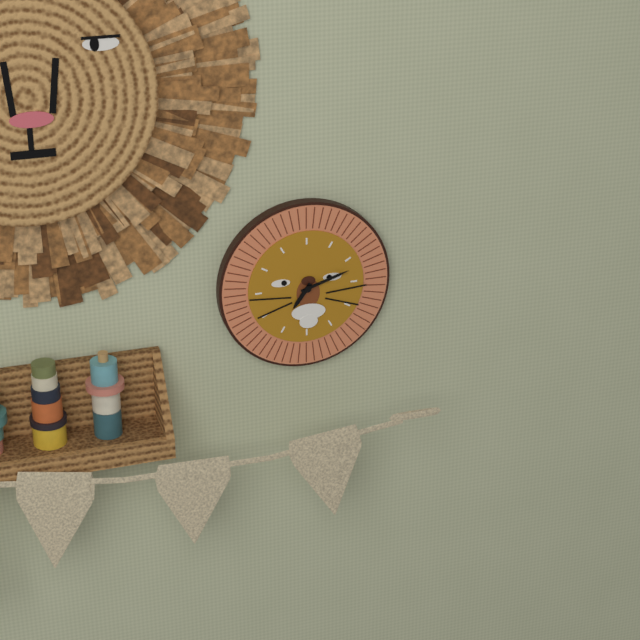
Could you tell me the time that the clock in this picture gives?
7:12
